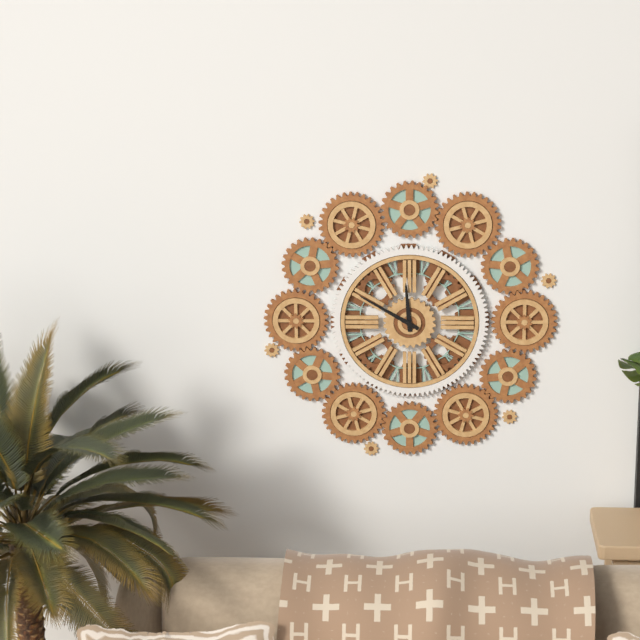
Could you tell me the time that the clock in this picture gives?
11:50
